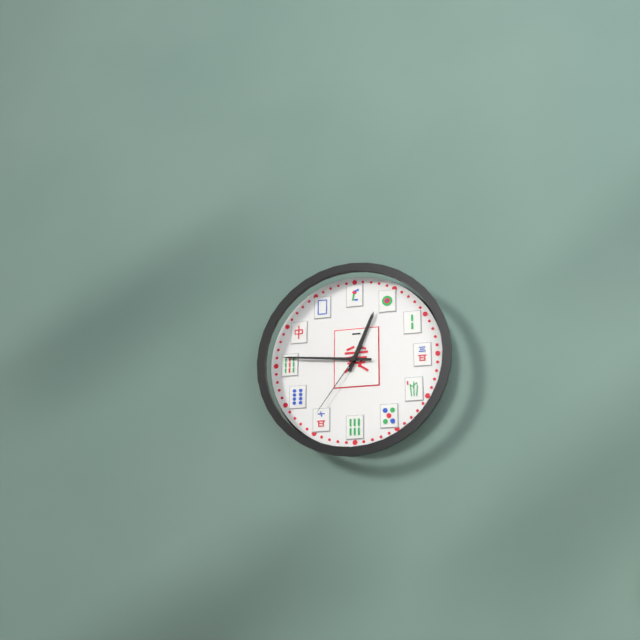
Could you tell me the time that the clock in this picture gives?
12:46:36
